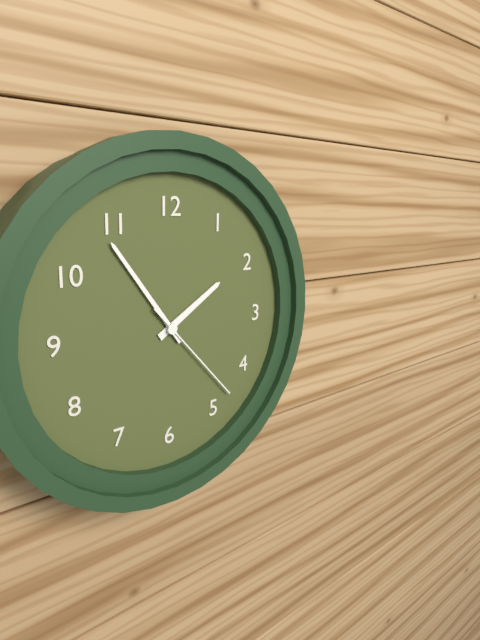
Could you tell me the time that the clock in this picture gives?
1:54:23
